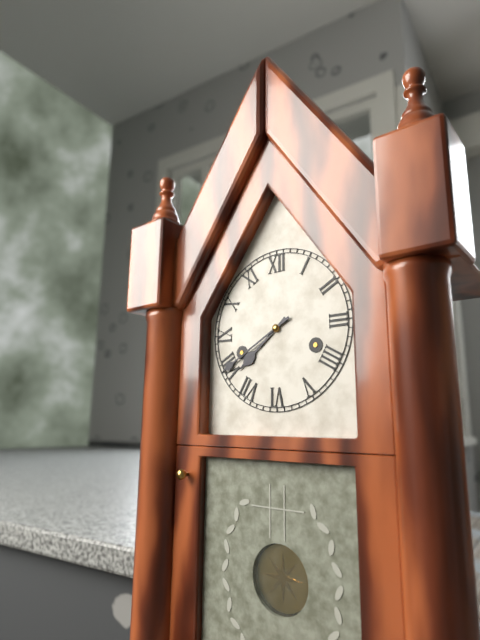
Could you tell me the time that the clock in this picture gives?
7:40
